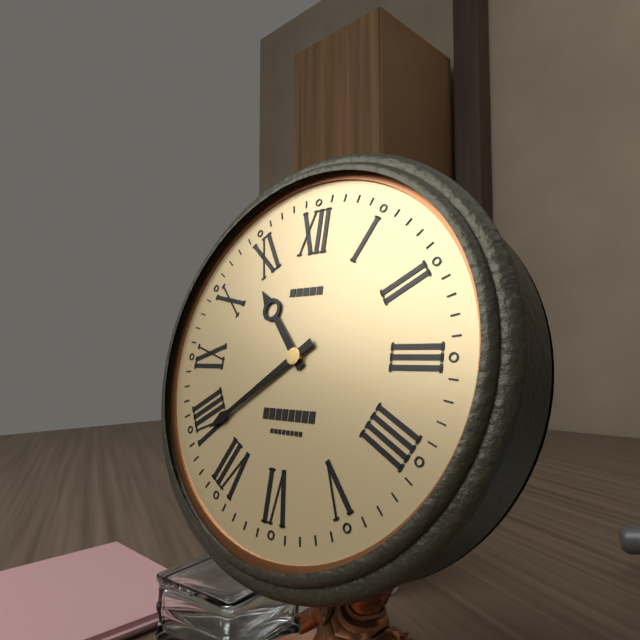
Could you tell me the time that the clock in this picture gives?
10:39
